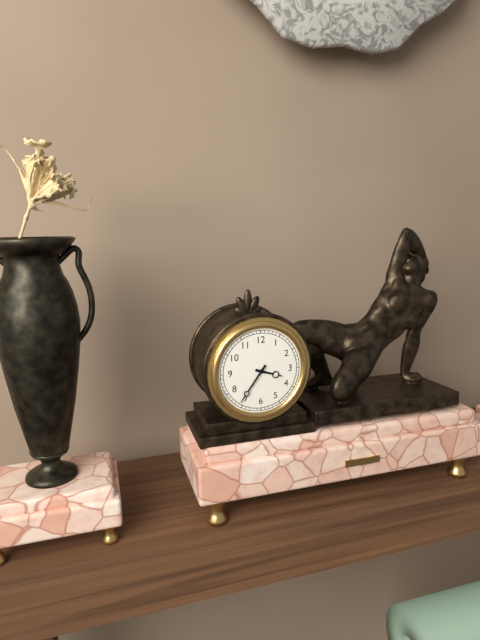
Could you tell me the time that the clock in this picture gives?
3:36
